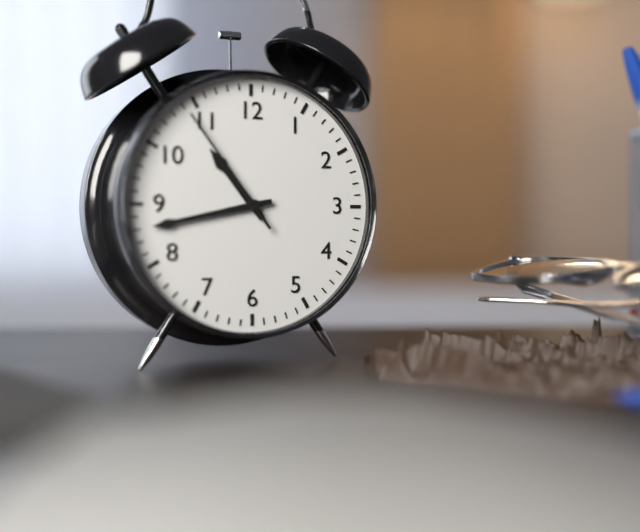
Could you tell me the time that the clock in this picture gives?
10:43:54
